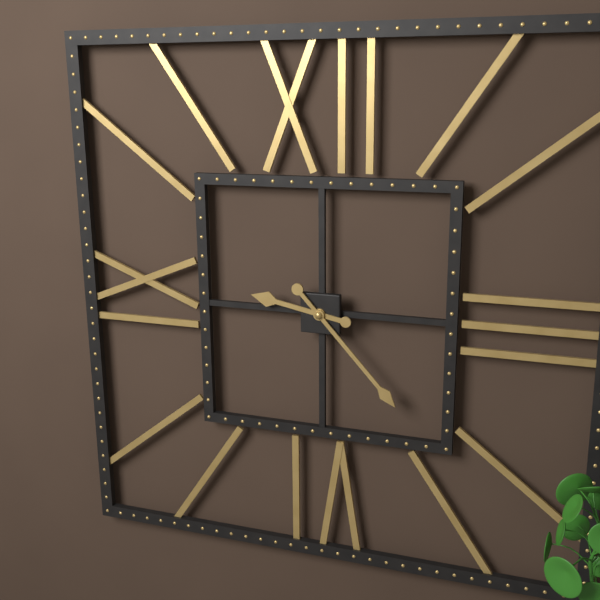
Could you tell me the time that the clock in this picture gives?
9:23
